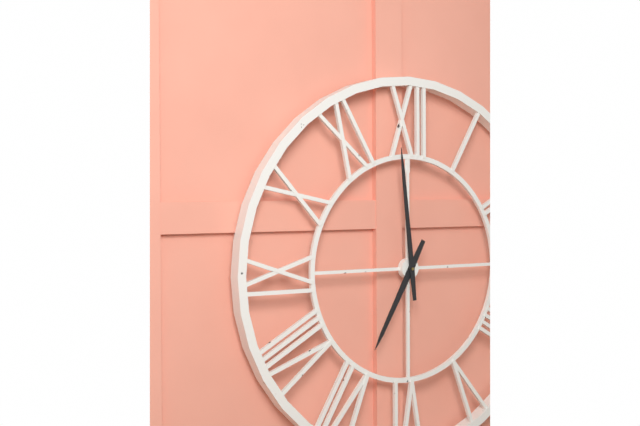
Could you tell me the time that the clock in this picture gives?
6:59
